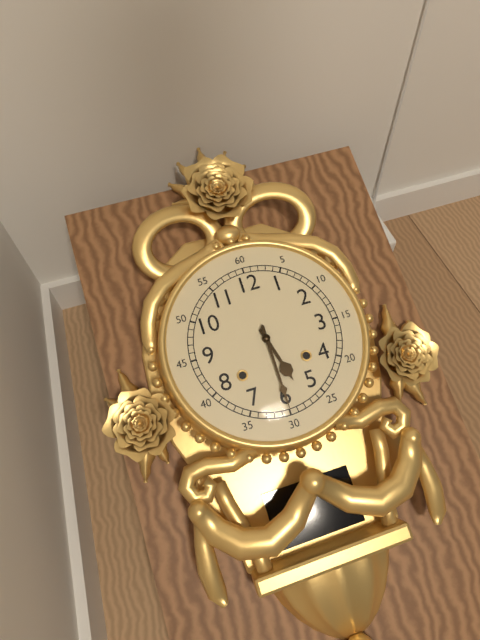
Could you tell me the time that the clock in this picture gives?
5:30
